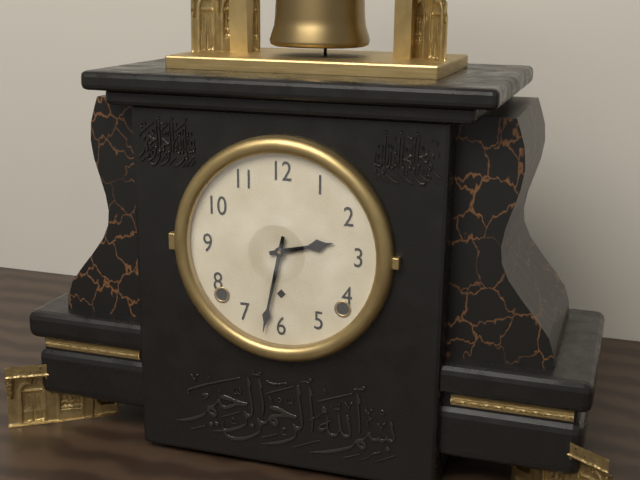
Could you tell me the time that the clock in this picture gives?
2:32
